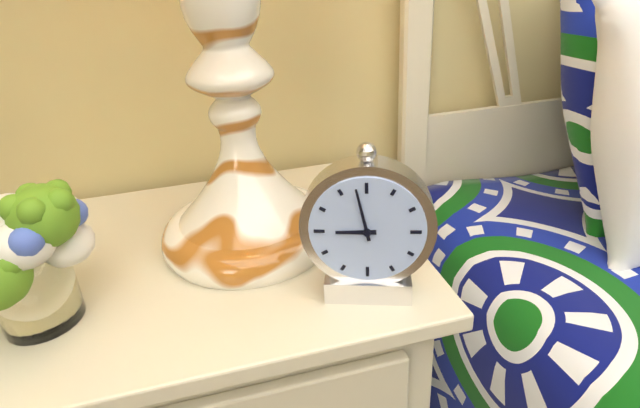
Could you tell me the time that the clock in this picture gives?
8:58
